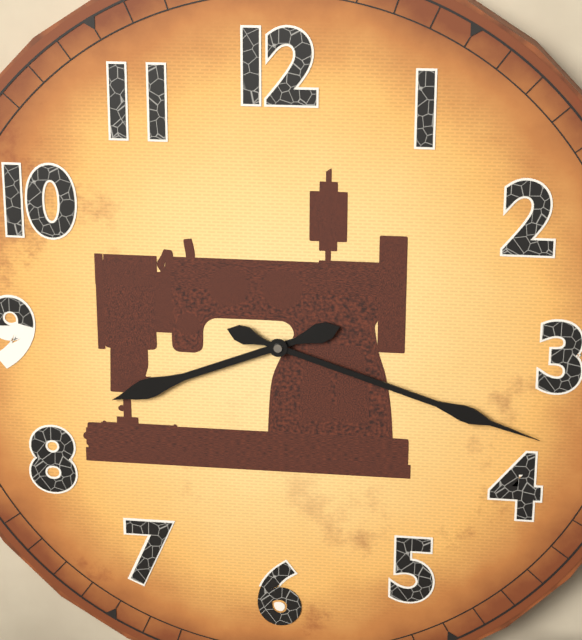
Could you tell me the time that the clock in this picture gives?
8:18
